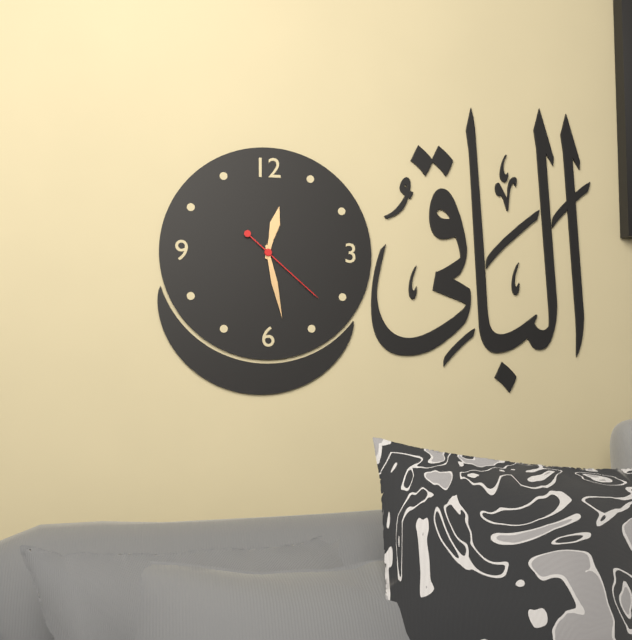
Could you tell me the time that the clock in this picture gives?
12:28:22
